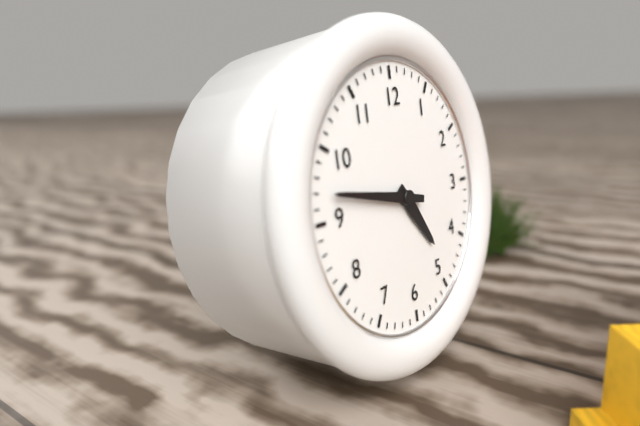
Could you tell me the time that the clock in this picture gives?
4:47
